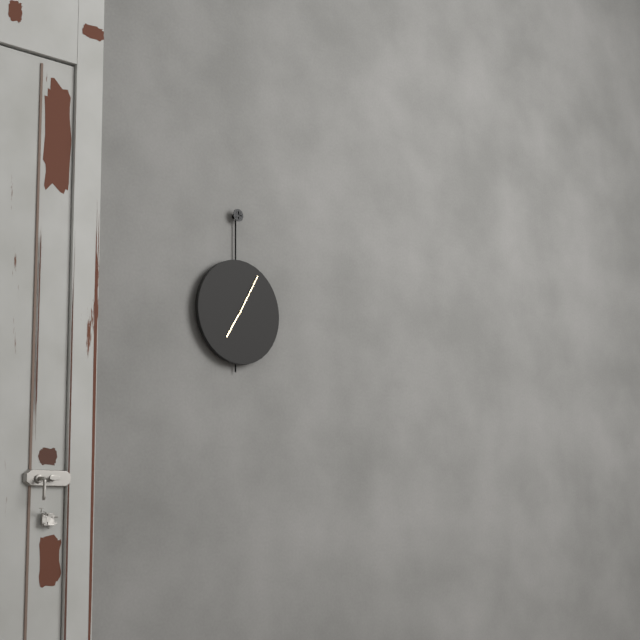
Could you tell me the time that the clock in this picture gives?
7:05
